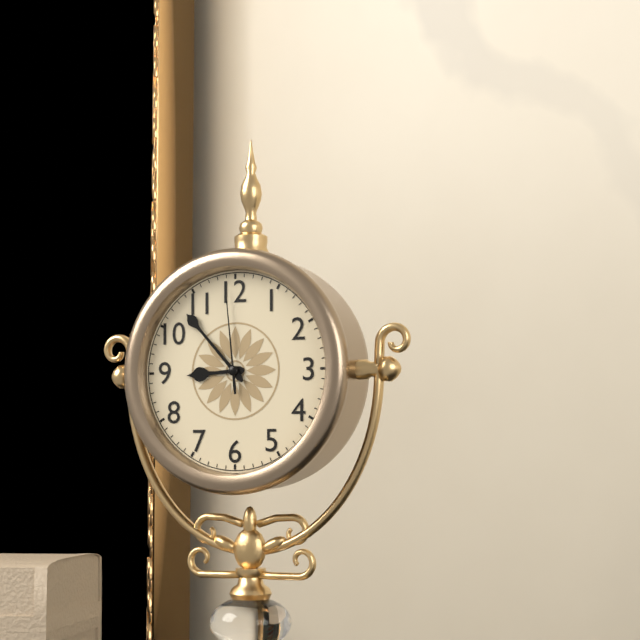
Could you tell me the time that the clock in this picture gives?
8:53:59
